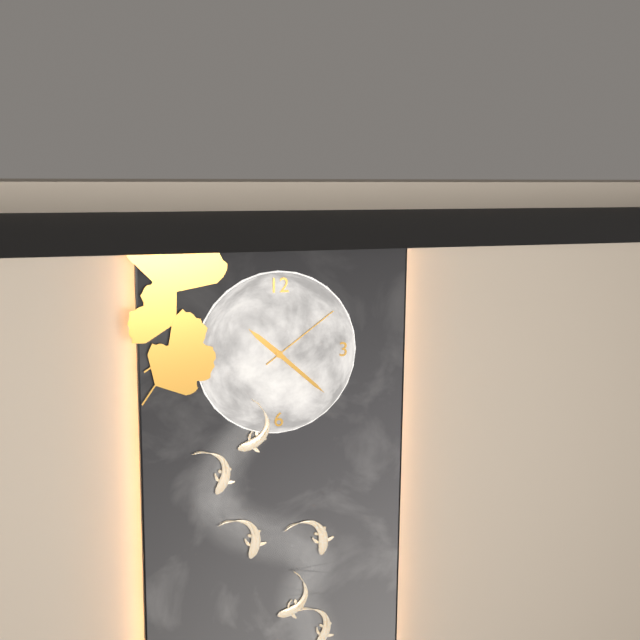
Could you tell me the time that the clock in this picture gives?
10:22:09
